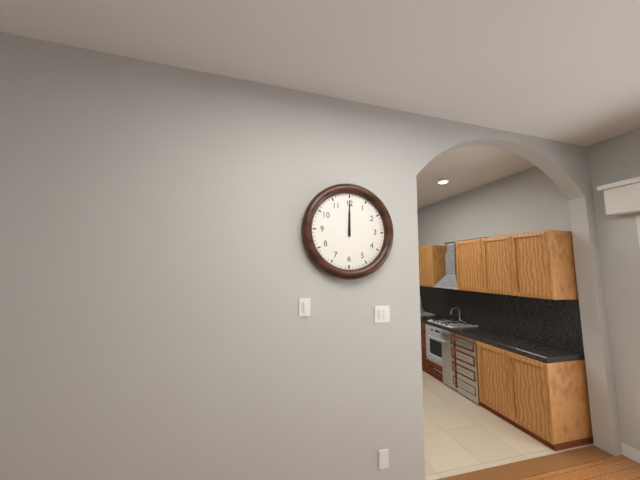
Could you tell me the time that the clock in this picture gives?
12:00
